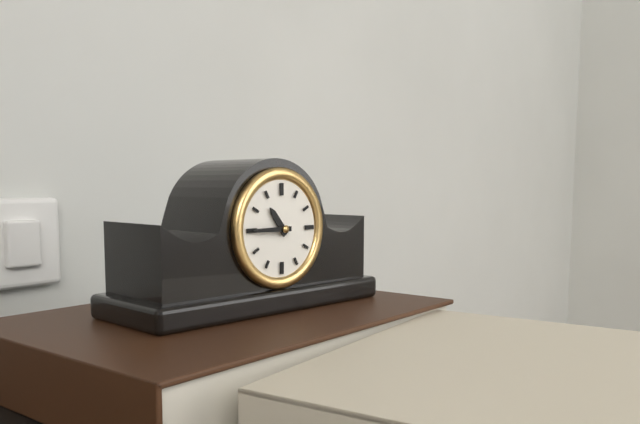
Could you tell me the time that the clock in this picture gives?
10:45
